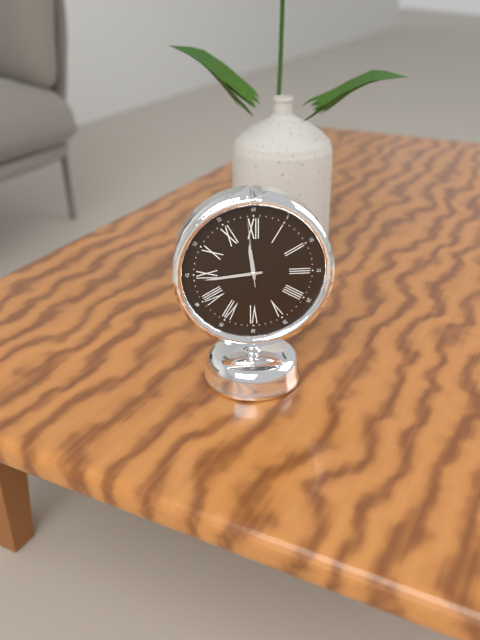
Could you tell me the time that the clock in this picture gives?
11:44:59
